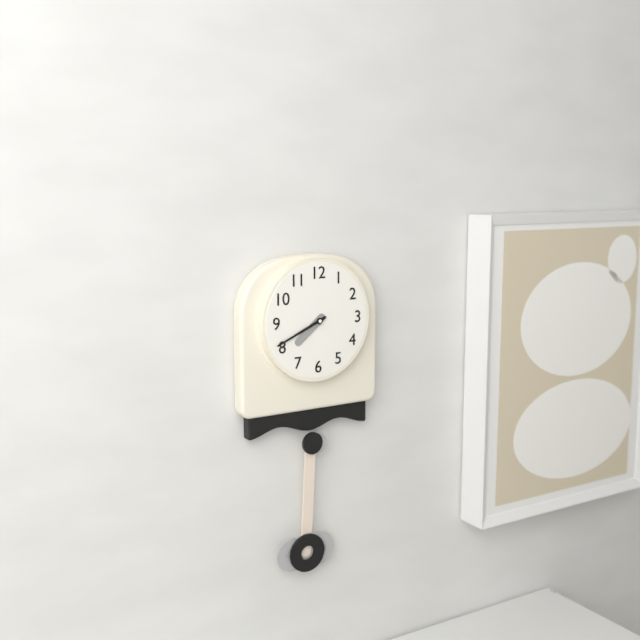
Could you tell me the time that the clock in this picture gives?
7:41
